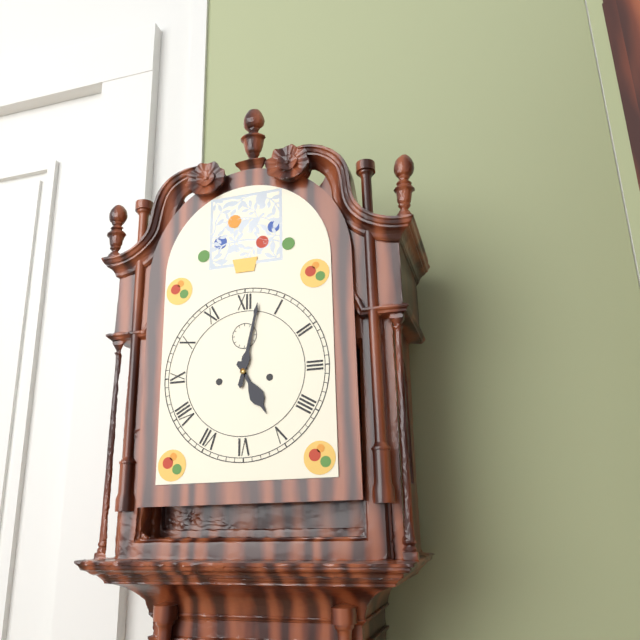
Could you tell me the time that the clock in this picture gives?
5:02
